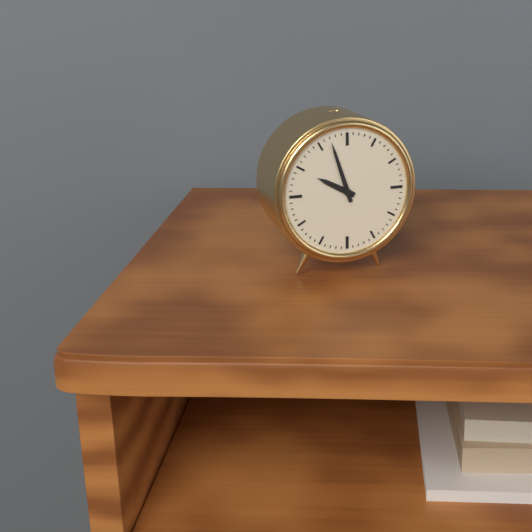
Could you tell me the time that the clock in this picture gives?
9:57
